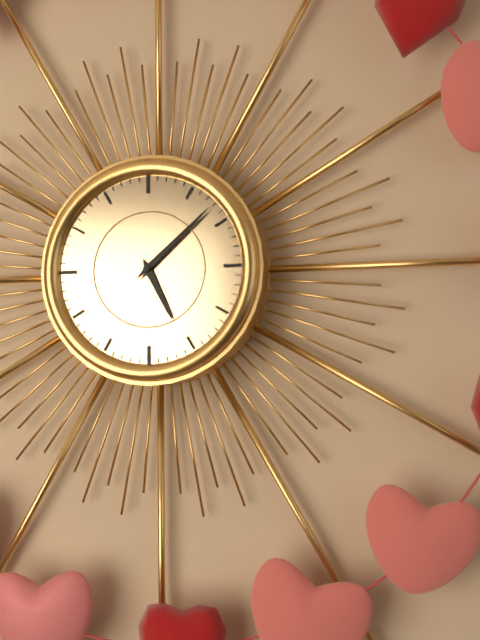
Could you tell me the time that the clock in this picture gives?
5:08
